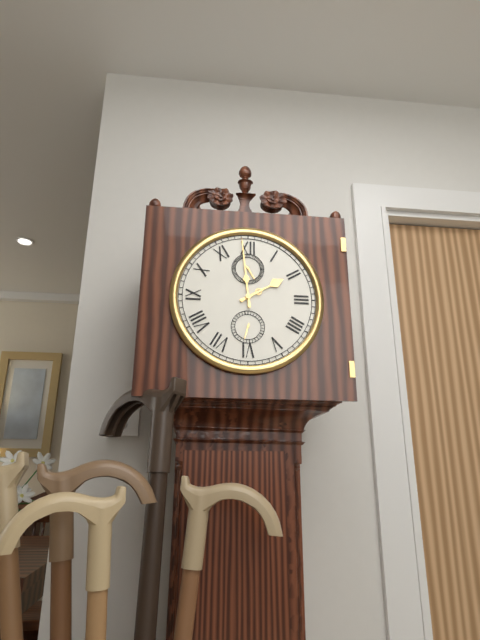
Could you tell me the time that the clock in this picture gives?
1:59
